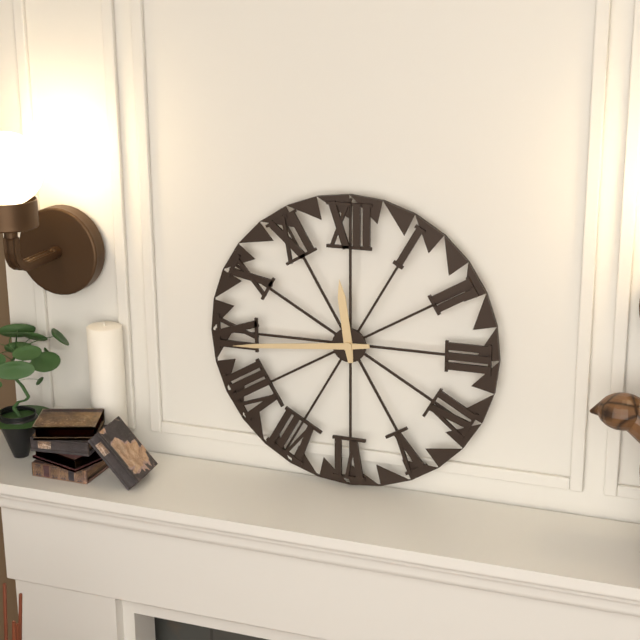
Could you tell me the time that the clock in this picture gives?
11:44
